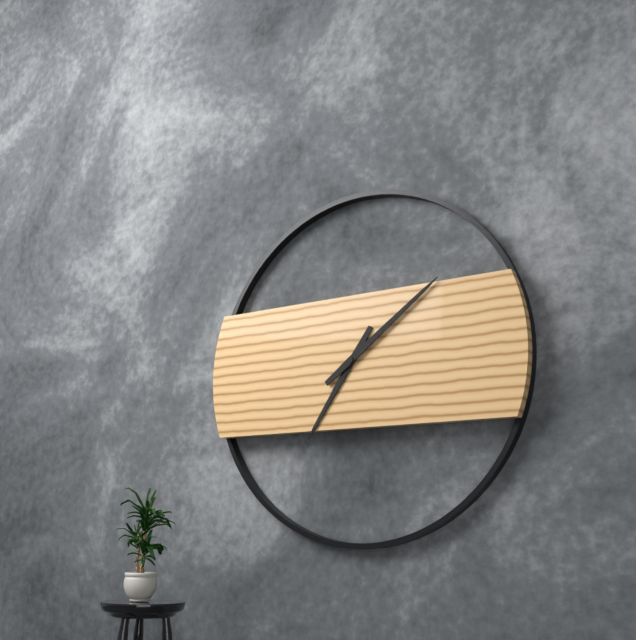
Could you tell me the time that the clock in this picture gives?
7:09
